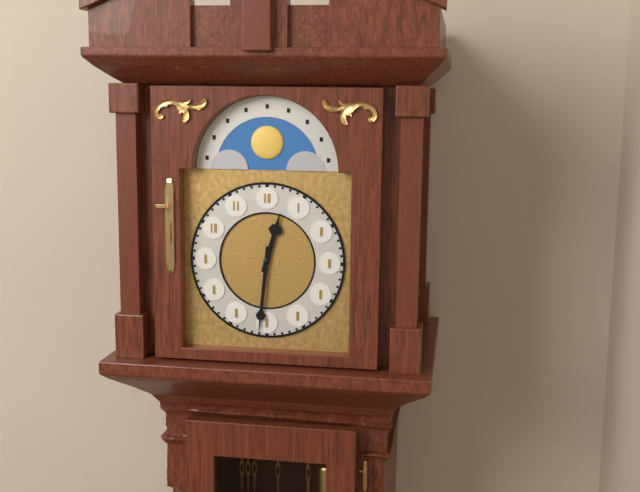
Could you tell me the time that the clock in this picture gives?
12:31
